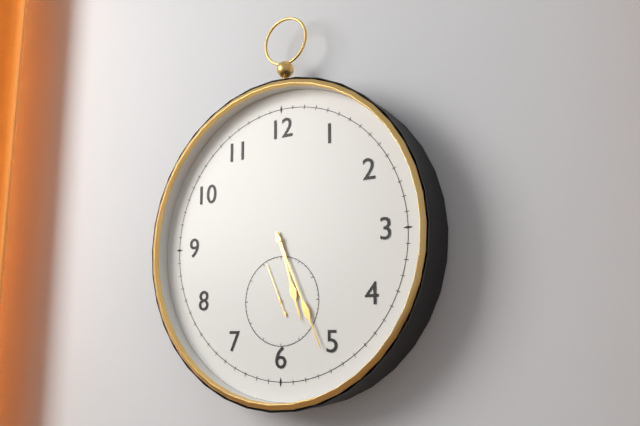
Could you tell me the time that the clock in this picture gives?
5:26:56
